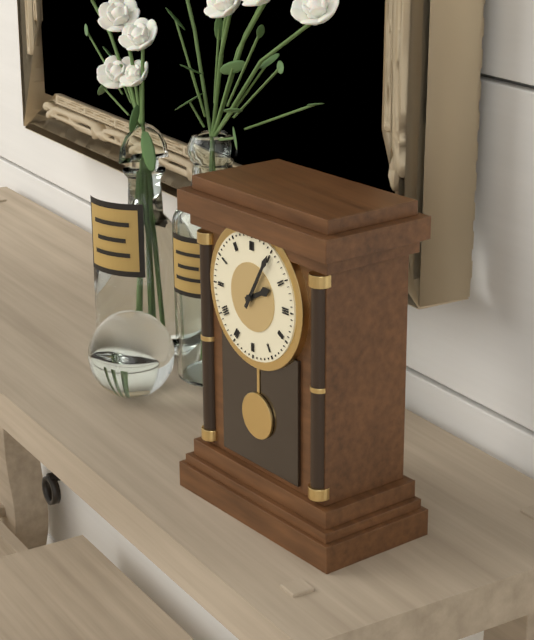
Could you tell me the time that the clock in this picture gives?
2:05
